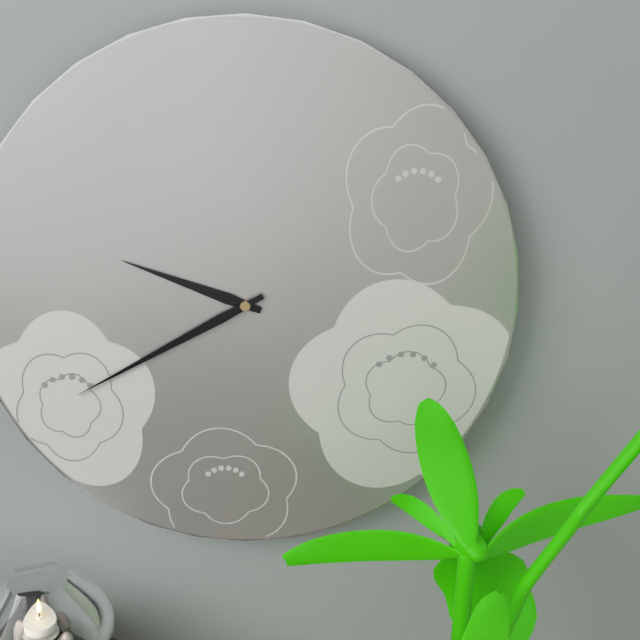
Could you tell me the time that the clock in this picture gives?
9:40
